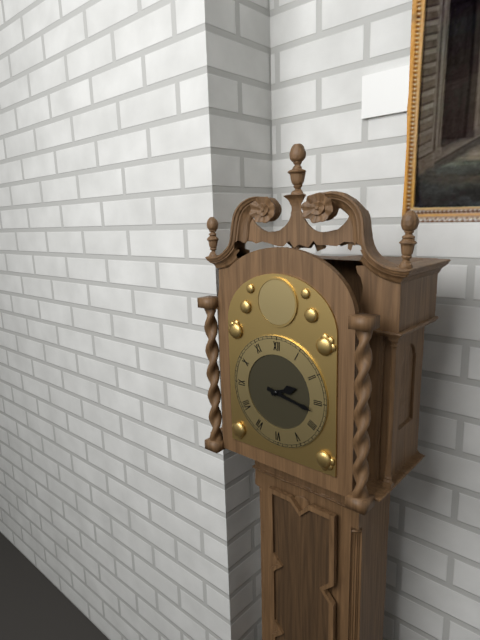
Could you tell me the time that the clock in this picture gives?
2:17
